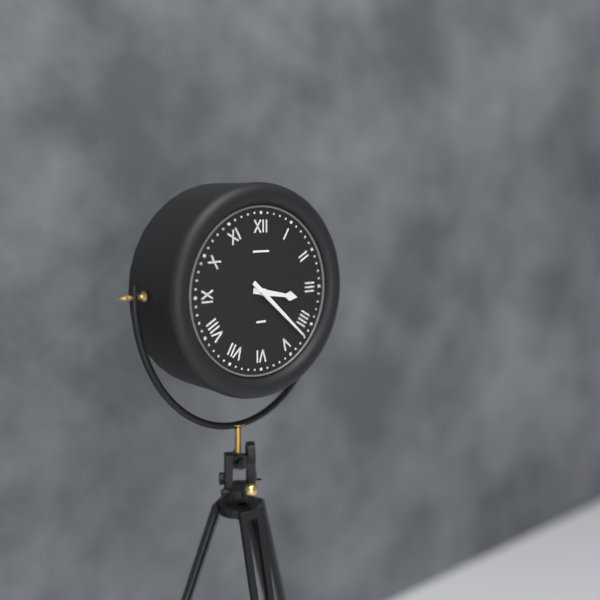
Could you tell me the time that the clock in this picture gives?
3:22
